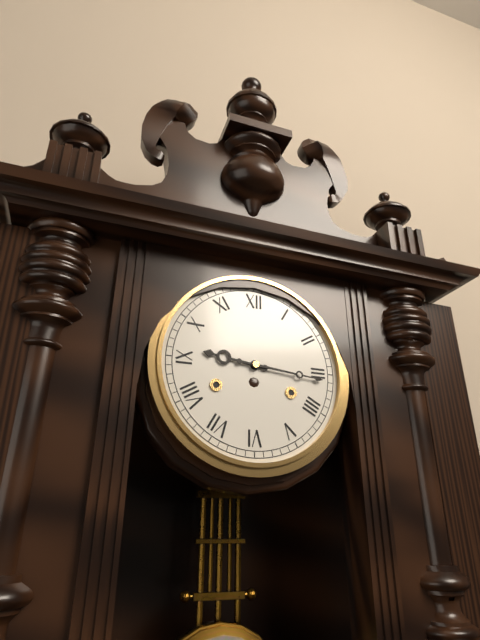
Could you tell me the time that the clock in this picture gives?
9:16
